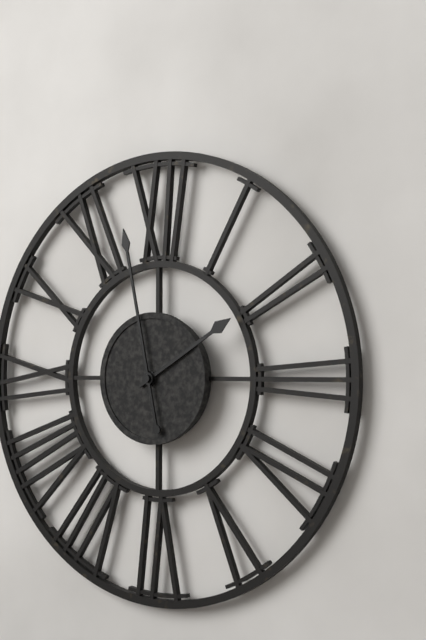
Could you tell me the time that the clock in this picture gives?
1:58
